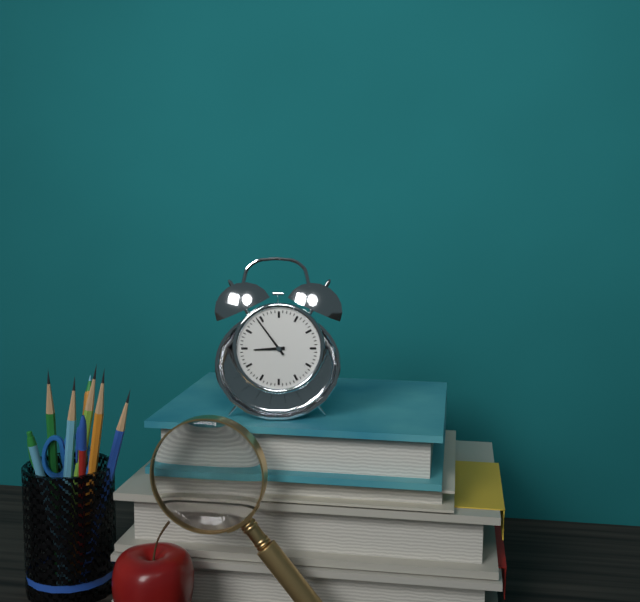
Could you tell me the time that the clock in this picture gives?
8:54
